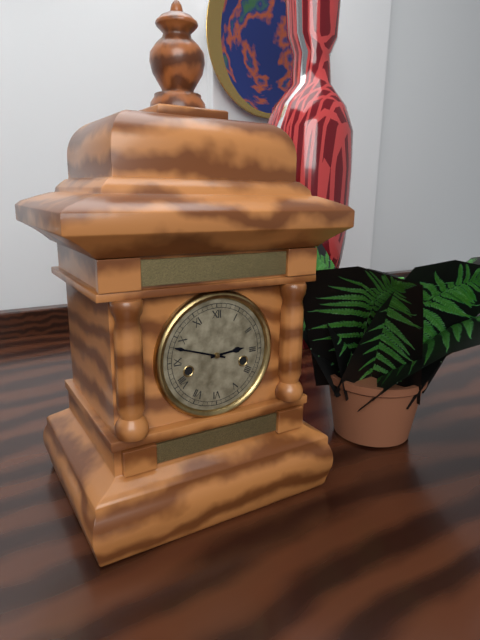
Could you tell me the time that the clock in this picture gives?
2:48
